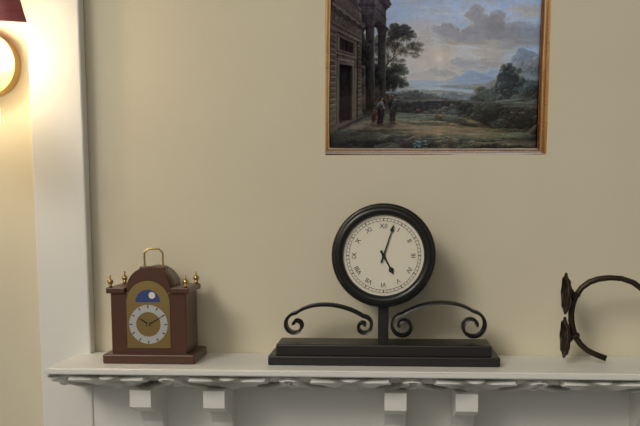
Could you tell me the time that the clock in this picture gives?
5:03
